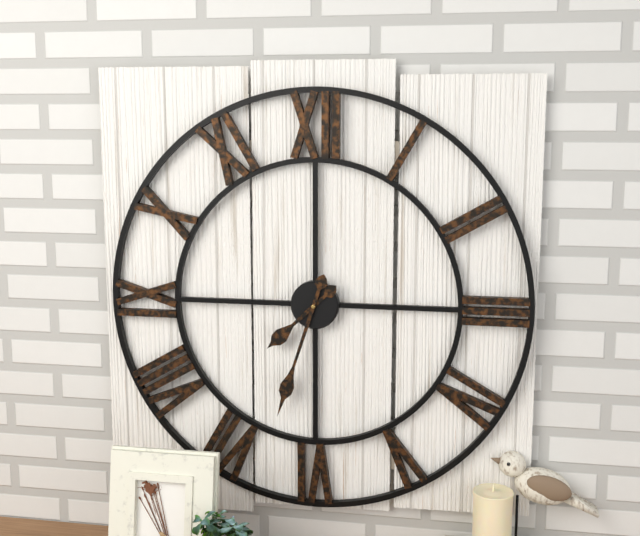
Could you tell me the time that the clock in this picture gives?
7:33
